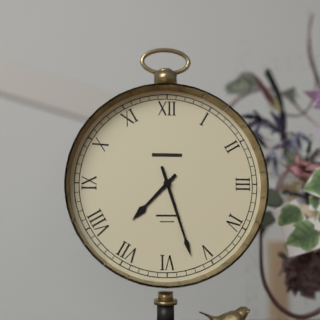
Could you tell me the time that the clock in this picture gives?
7:27
